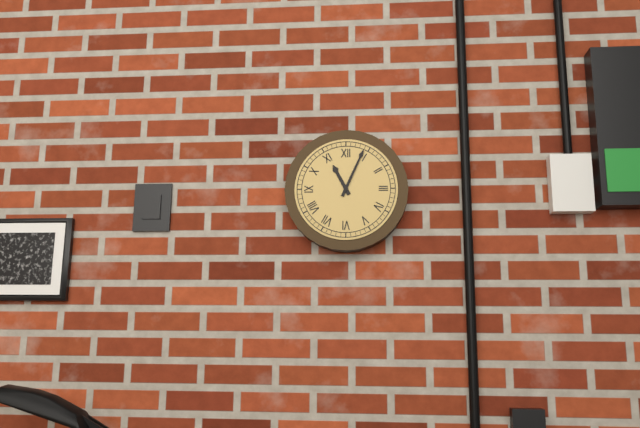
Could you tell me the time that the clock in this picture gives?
11:04
